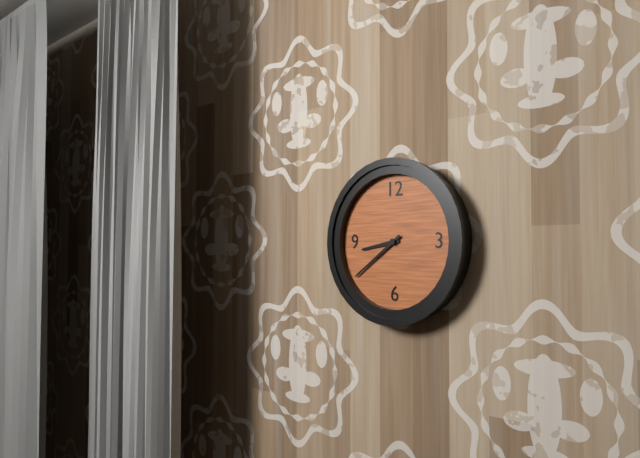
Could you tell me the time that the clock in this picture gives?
8:39
